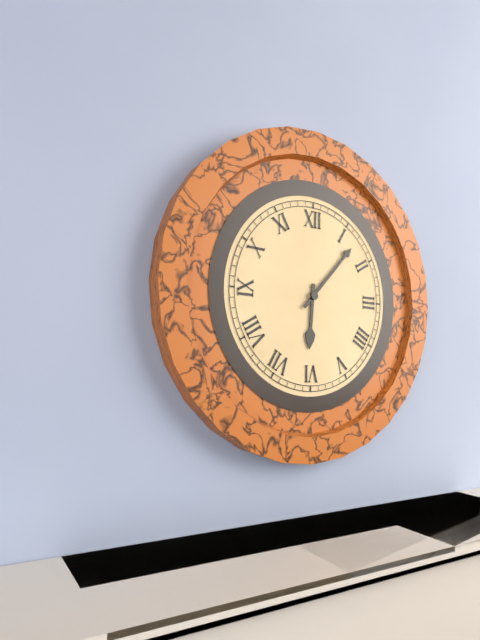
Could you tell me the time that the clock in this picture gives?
6:07
